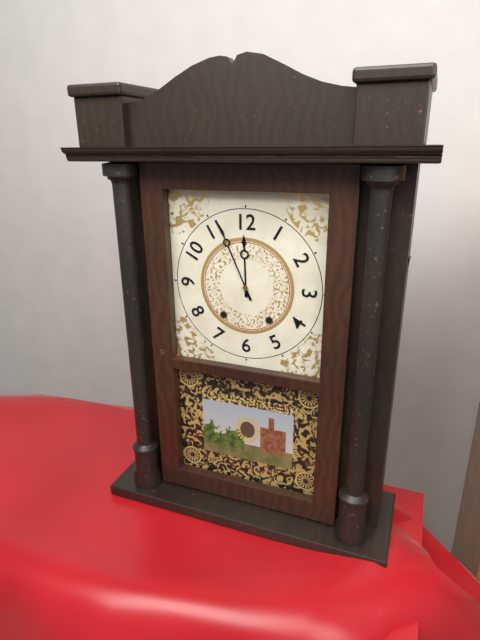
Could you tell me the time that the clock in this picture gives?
11:56
